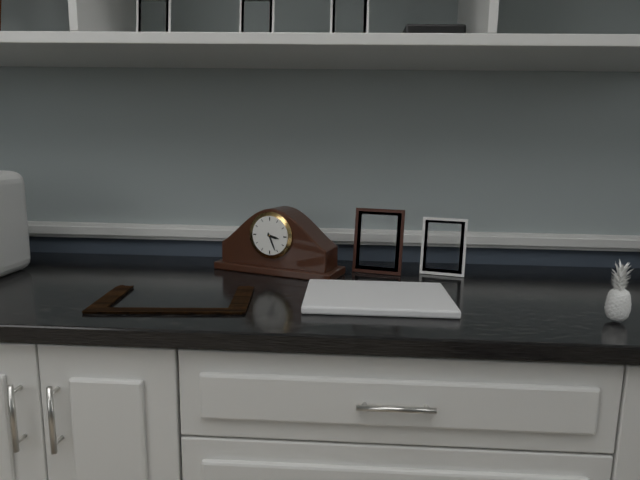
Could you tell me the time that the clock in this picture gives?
3:26
